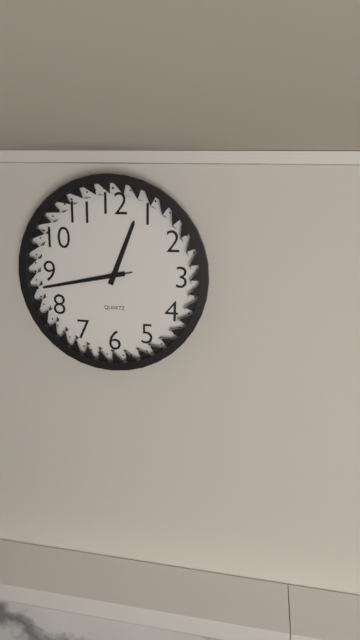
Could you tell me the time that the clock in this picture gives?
12:43:43
